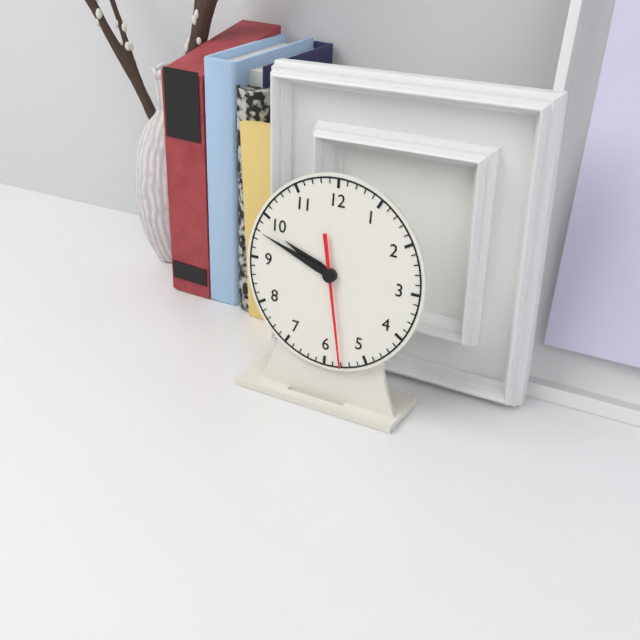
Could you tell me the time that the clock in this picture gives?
9:48:28
